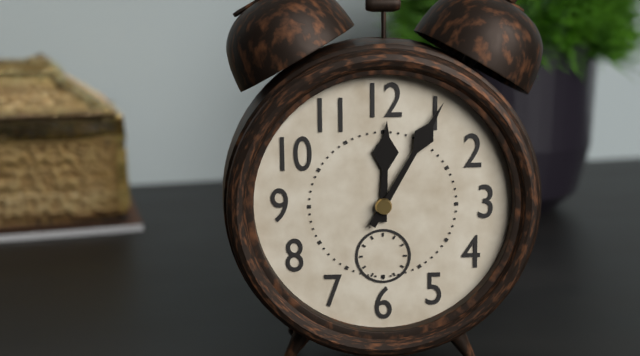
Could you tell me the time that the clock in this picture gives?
12:05
